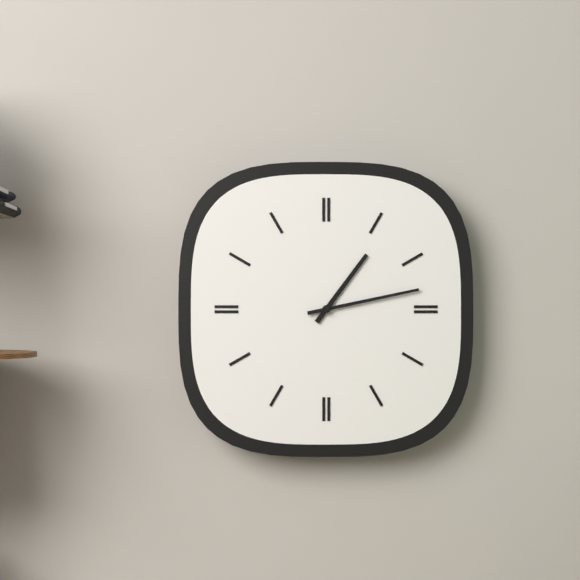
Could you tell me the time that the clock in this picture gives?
1:13
